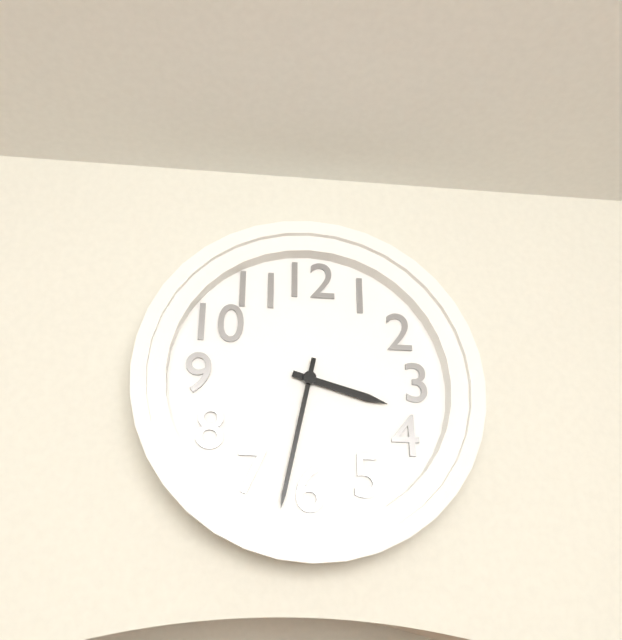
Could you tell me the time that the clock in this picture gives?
3:32
